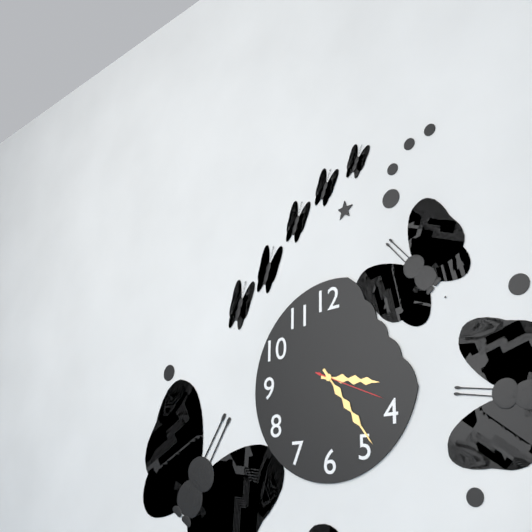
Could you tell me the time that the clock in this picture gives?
3:24:19
